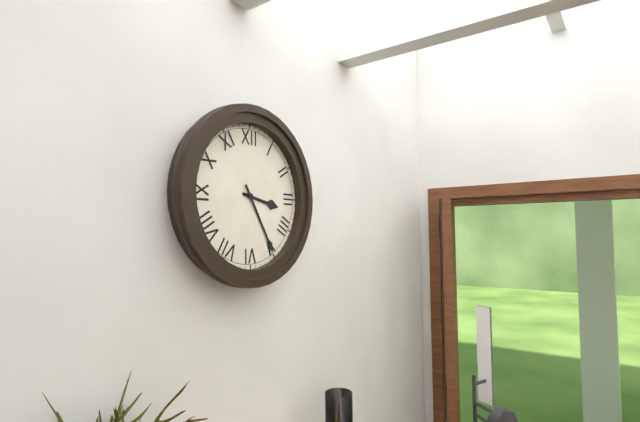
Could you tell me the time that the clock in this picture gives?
3:25
